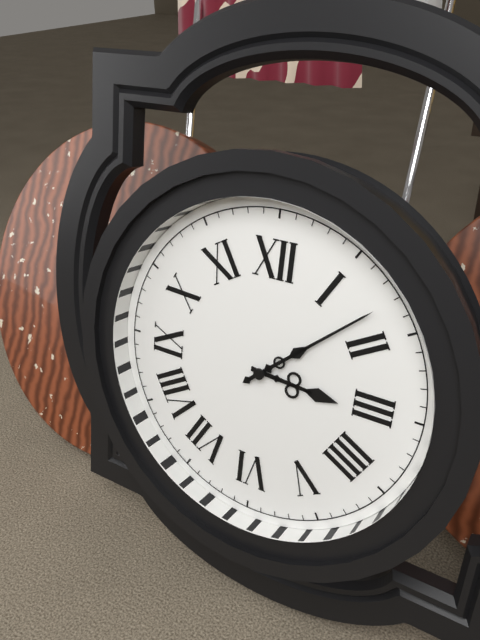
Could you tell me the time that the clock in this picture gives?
3:08
